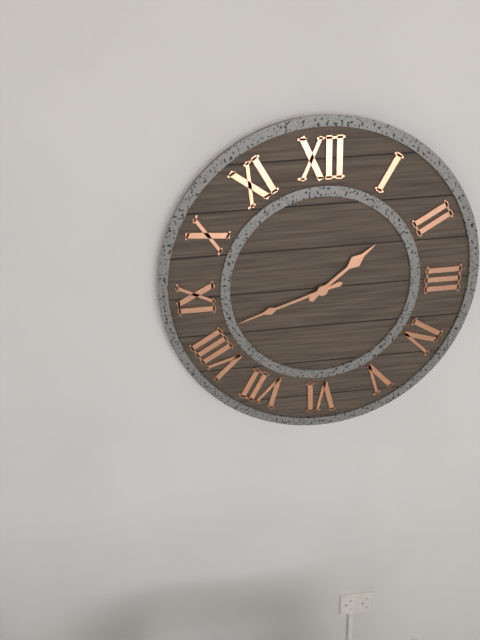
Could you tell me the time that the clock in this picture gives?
1:42
